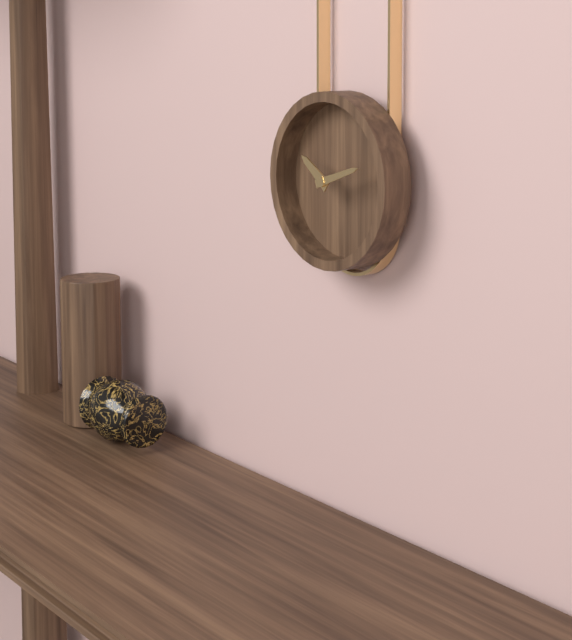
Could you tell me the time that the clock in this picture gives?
10:12
